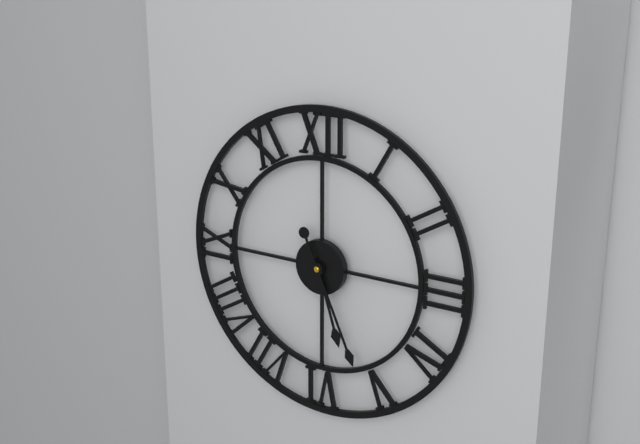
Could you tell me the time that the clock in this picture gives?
5:26
